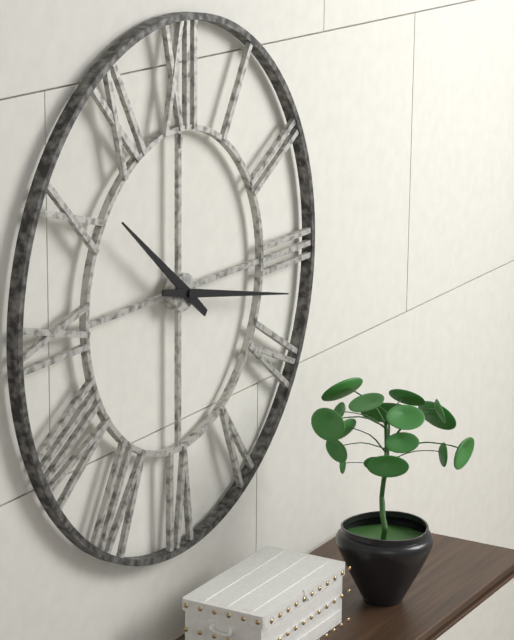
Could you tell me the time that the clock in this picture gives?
10:17
